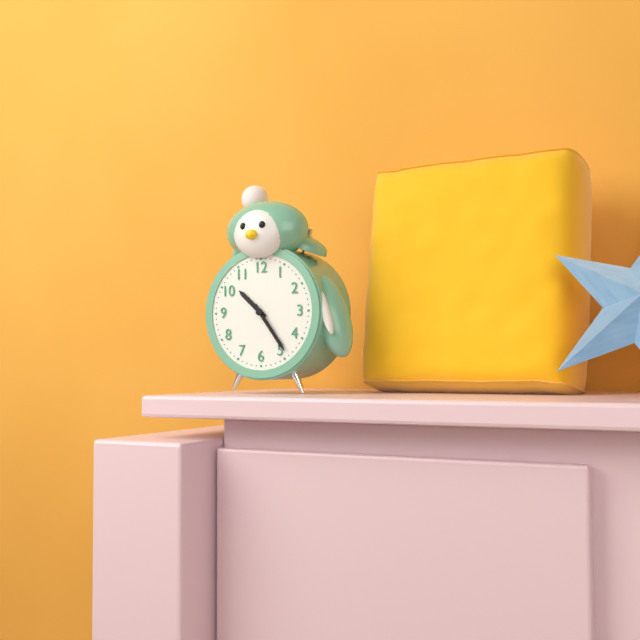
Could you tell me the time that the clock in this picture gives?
10:24
